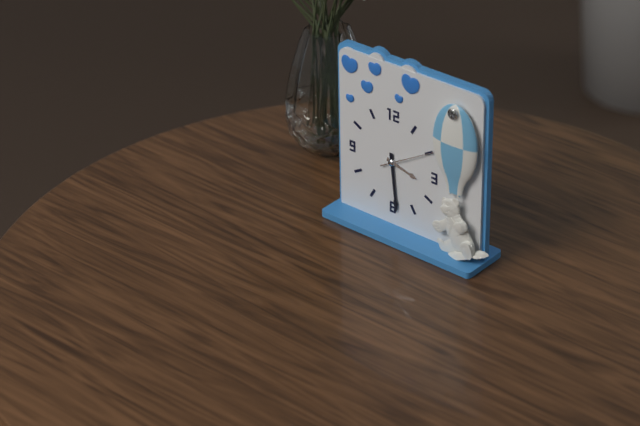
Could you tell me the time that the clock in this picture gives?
3:29:10
